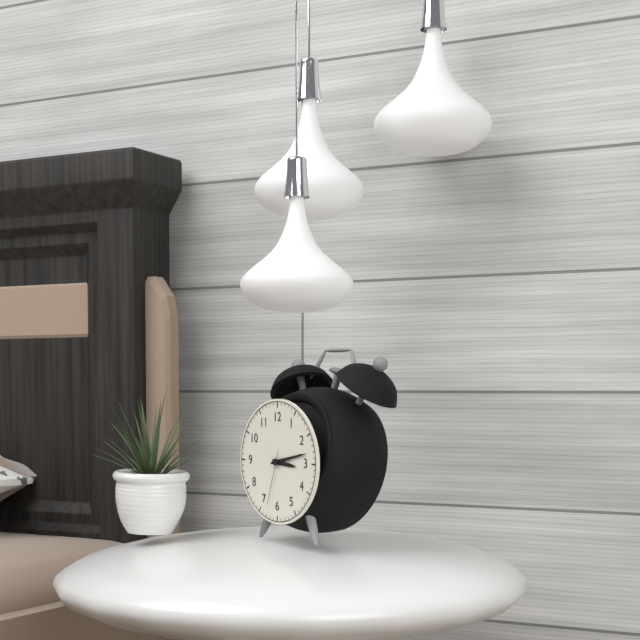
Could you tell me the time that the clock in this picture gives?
3:13:33
